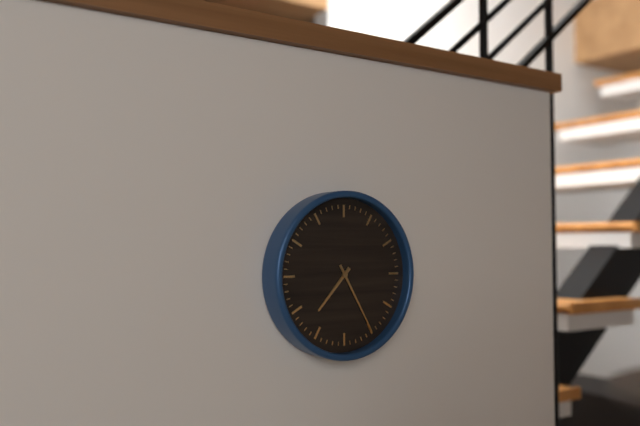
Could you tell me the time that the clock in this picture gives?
7:25
